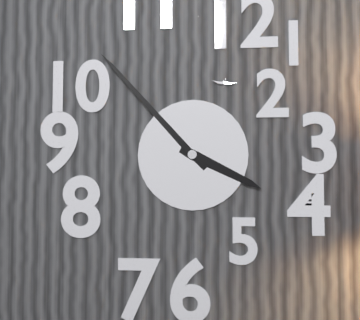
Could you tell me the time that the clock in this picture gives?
3:53
